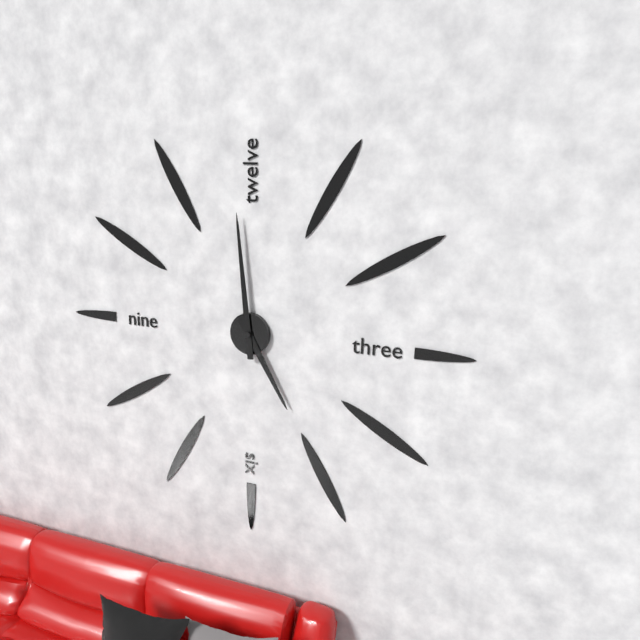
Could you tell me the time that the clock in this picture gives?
4:59
